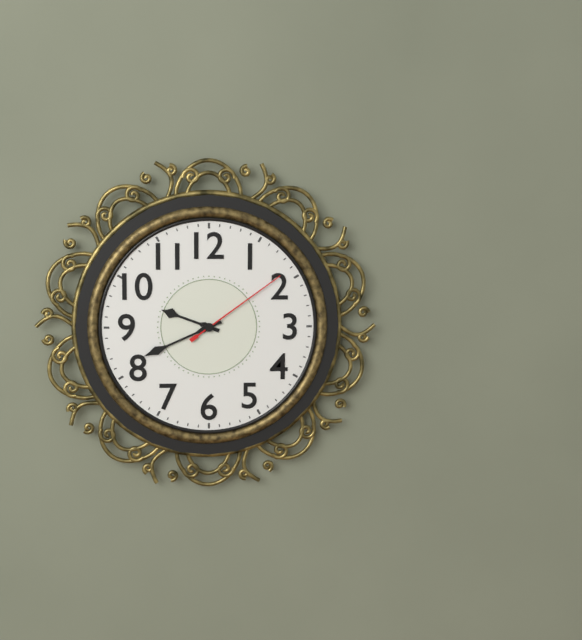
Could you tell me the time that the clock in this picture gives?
9:41:09
